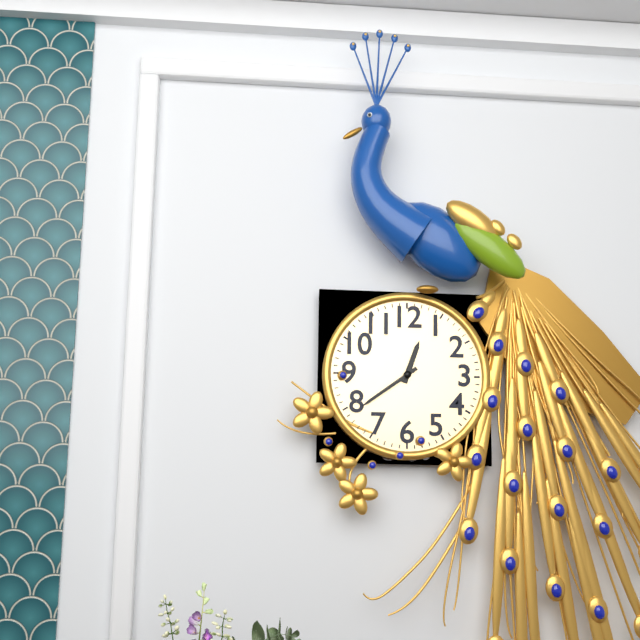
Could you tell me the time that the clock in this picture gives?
12:39
